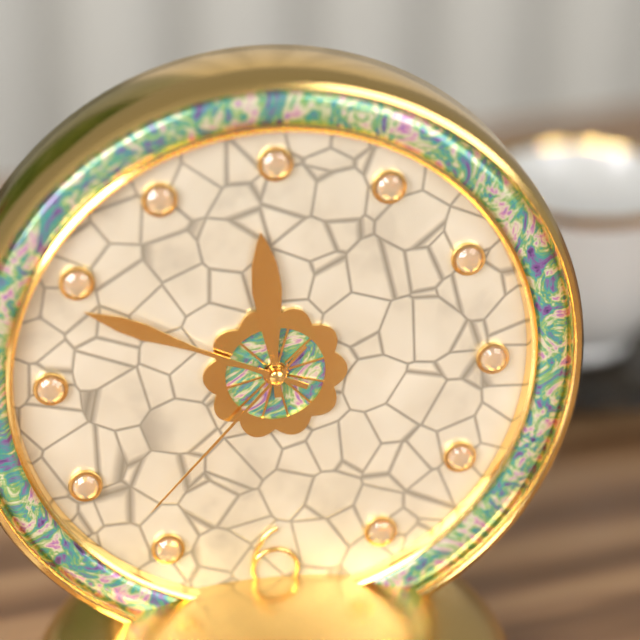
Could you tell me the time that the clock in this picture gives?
11:49:37
